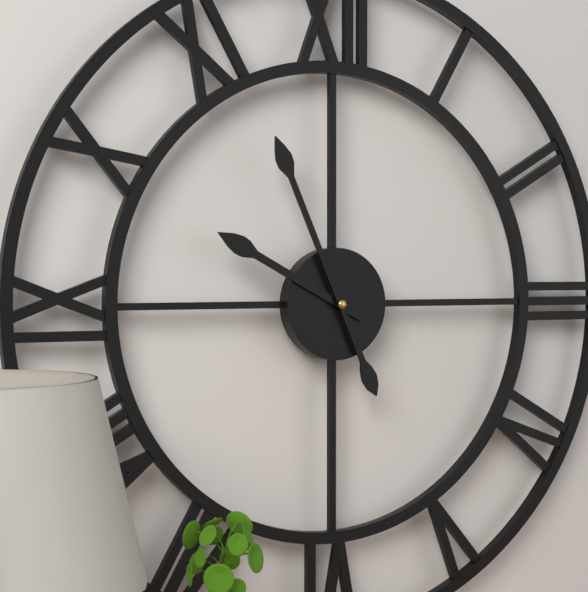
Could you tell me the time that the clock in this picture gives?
9:56
